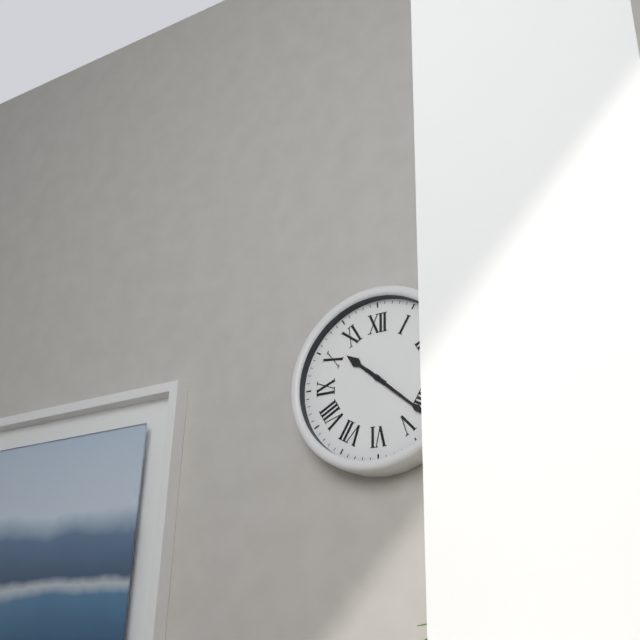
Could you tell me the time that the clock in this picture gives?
10:22:22
